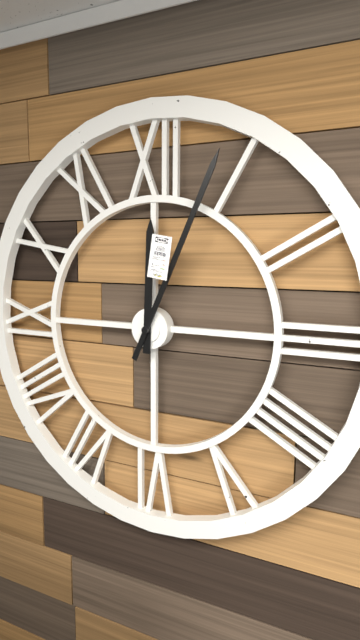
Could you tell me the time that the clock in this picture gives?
12:04
